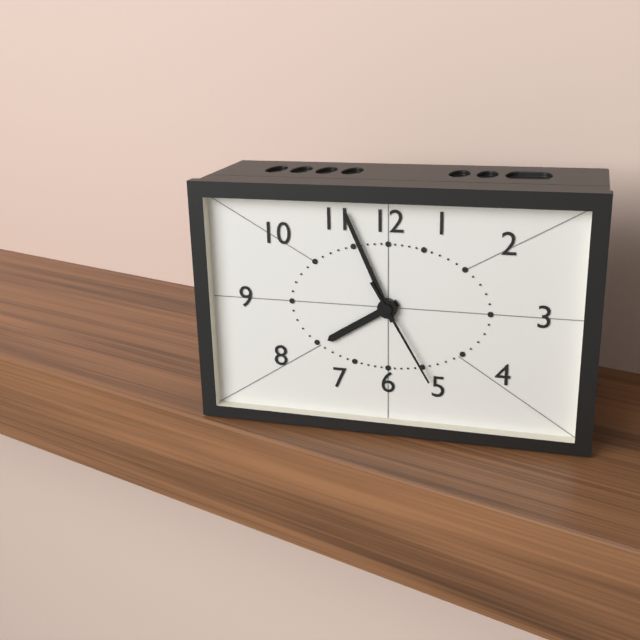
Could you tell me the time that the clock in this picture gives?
7:56:25
